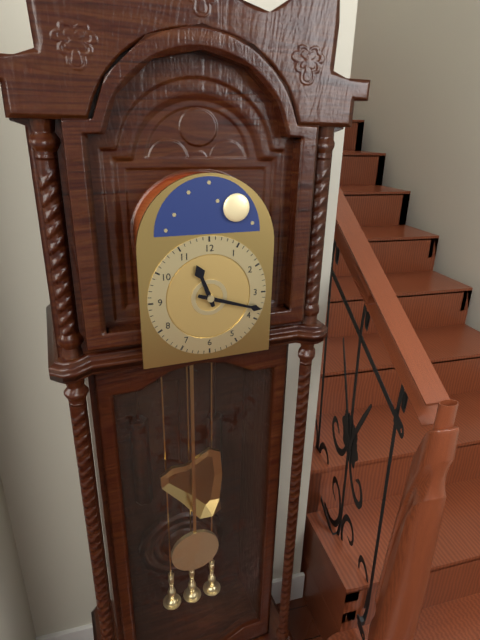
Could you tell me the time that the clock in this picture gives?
11:18
